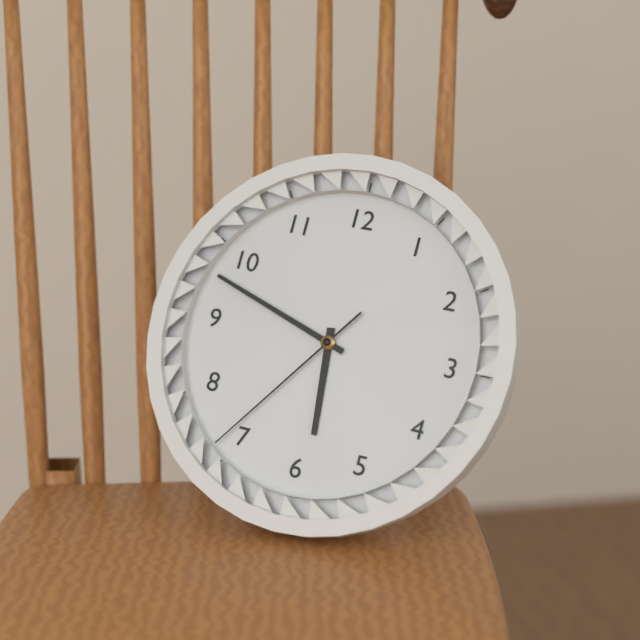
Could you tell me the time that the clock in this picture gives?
5:48:36
